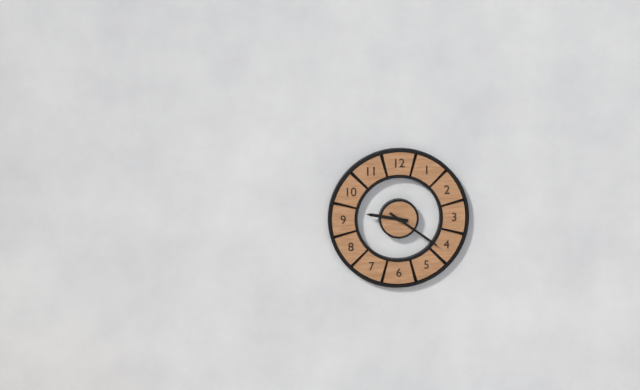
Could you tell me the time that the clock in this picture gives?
9:21
